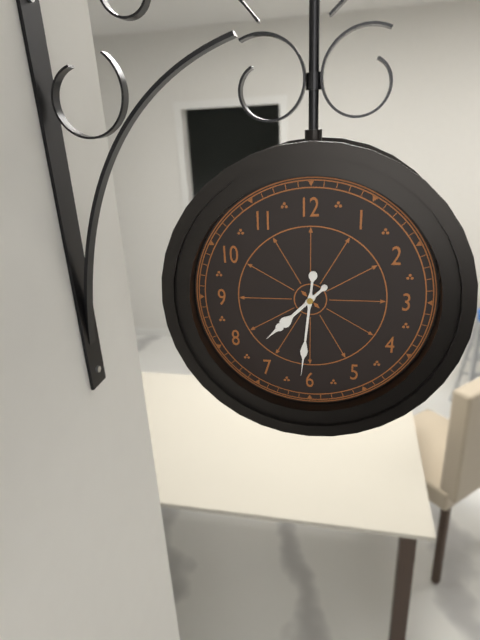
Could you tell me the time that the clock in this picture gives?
7:31
